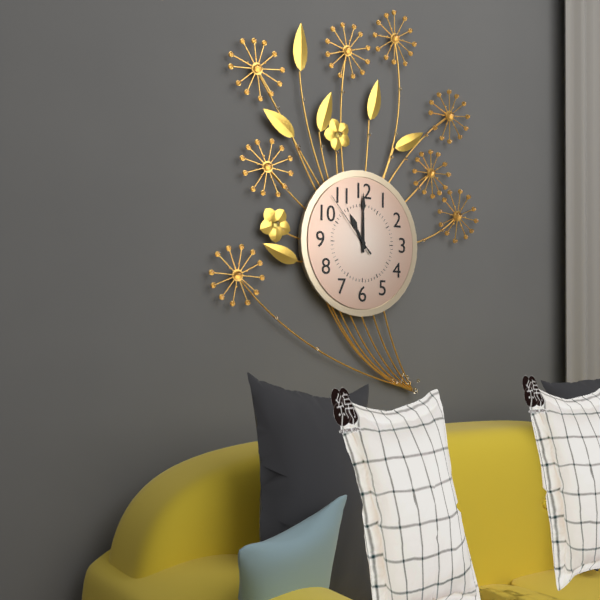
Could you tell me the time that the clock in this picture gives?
11:00:53
